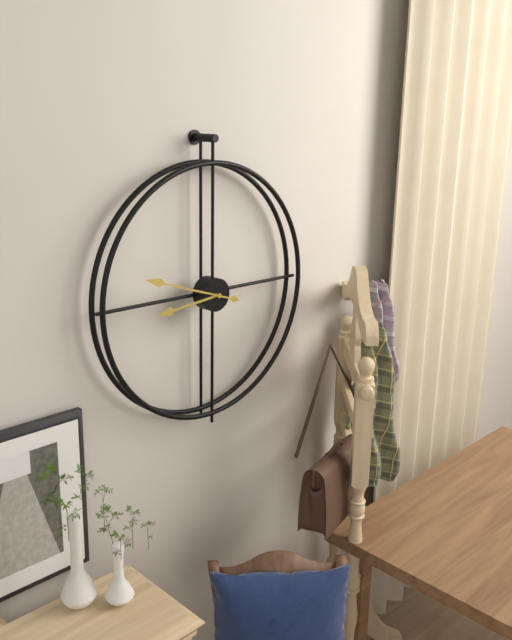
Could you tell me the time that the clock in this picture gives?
8:48
